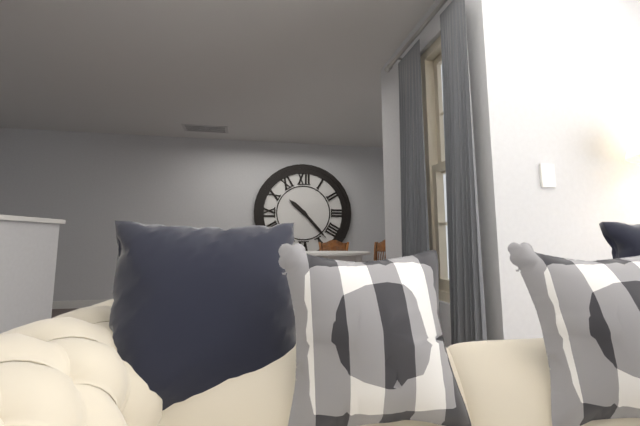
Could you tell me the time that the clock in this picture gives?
10:23
